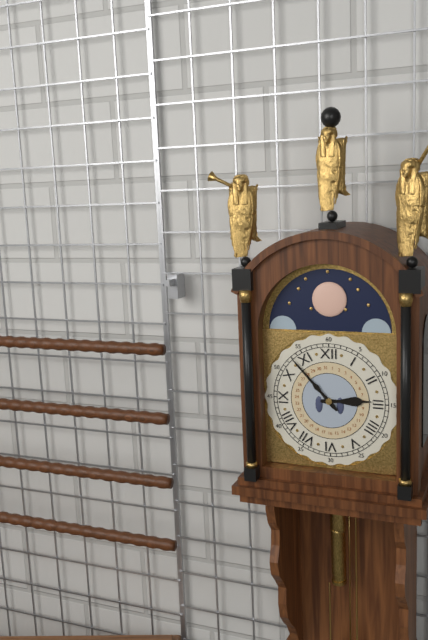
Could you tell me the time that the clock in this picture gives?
2:53
